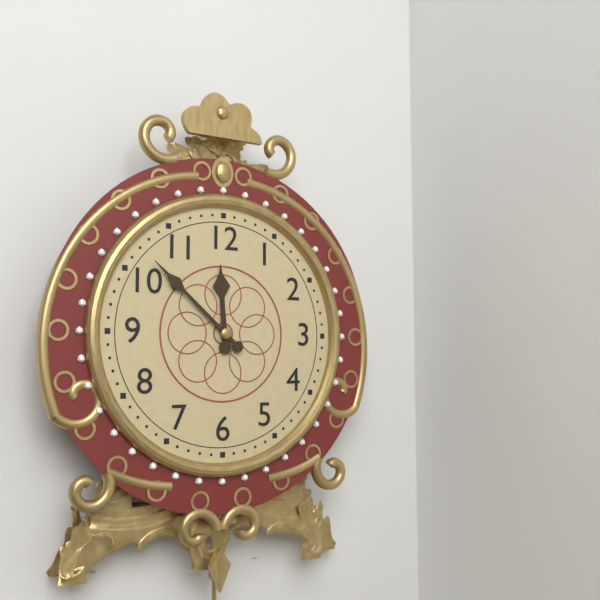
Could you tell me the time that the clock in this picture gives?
11:52
